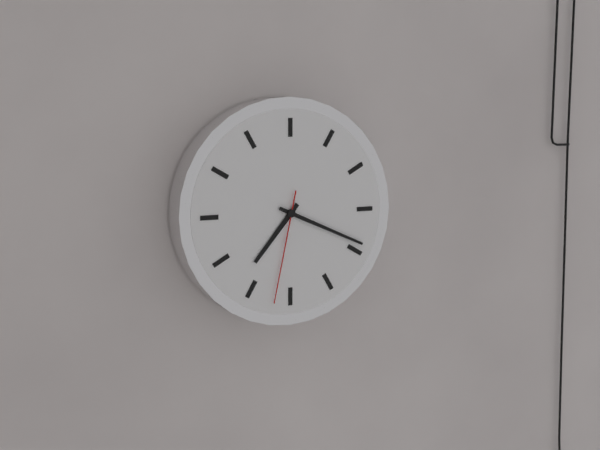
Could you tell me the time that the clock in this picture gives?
7:19:32
